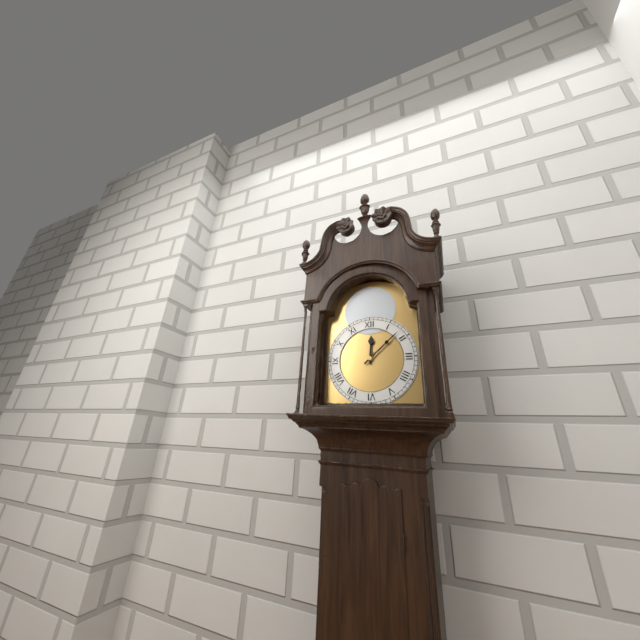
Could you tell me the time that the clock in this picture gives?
12:08
